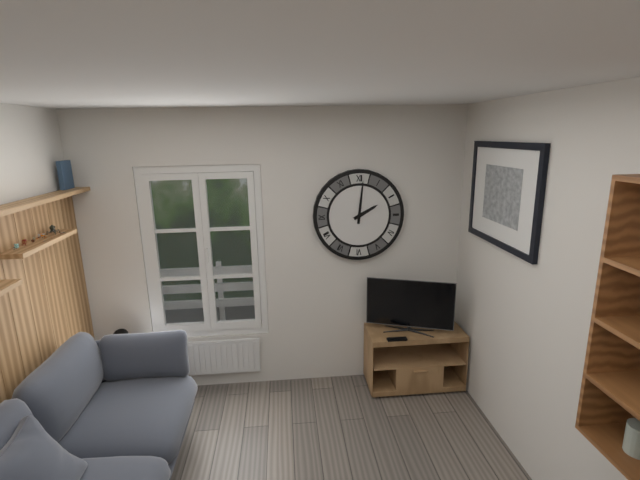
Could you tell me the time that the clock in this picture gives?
2:01
